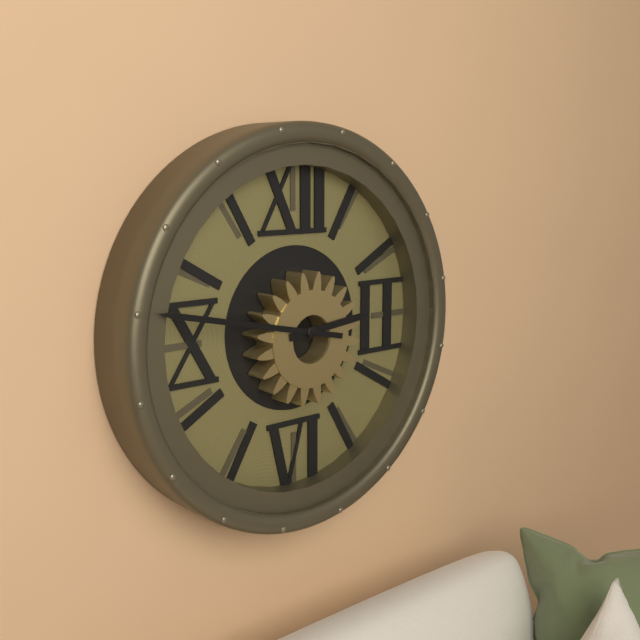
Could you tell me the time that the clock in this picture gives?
2:47
